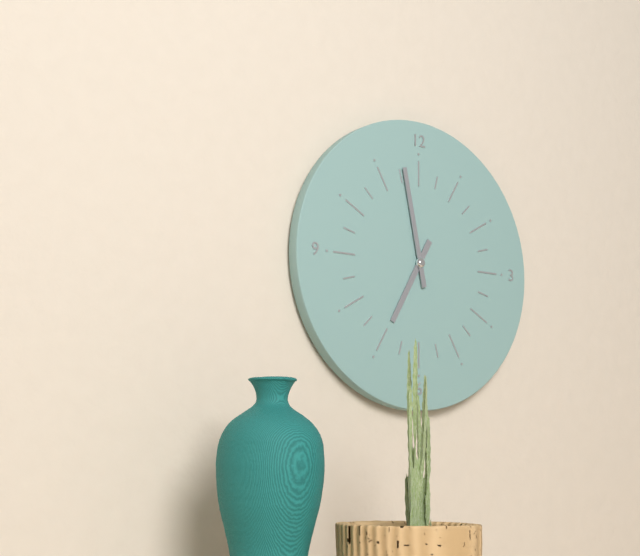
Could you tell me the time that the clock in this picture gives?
6:58
